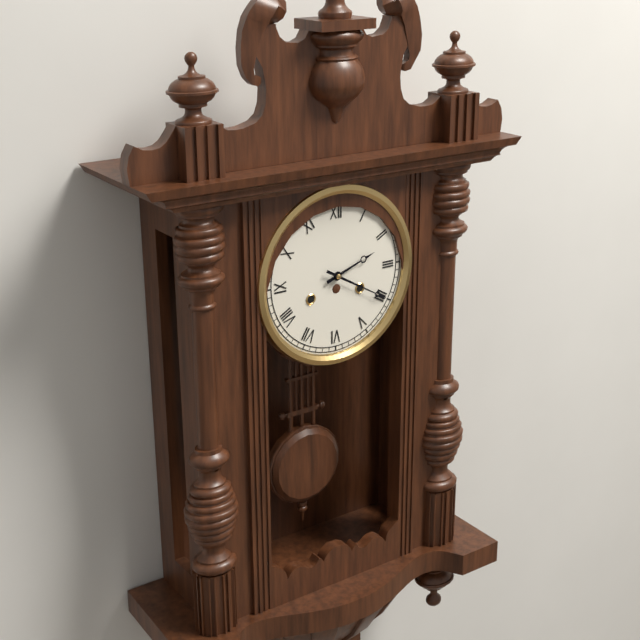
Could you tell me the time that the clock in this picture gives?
2:20
